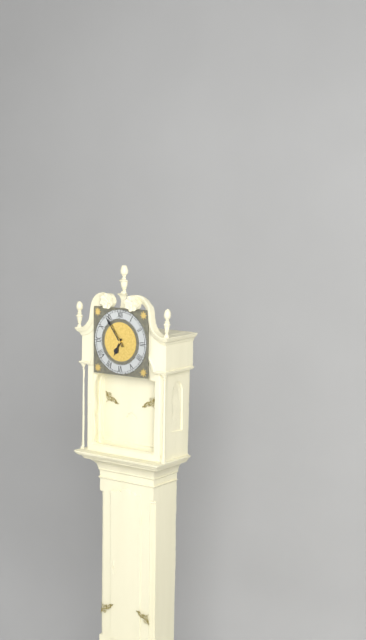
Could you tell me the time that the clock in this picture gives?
6:54
